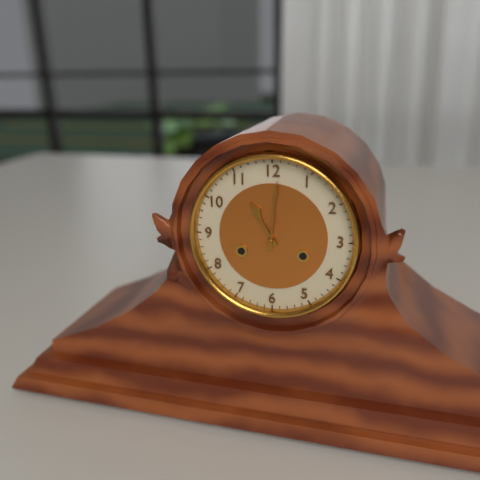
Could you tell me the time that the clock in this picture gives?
11:01
